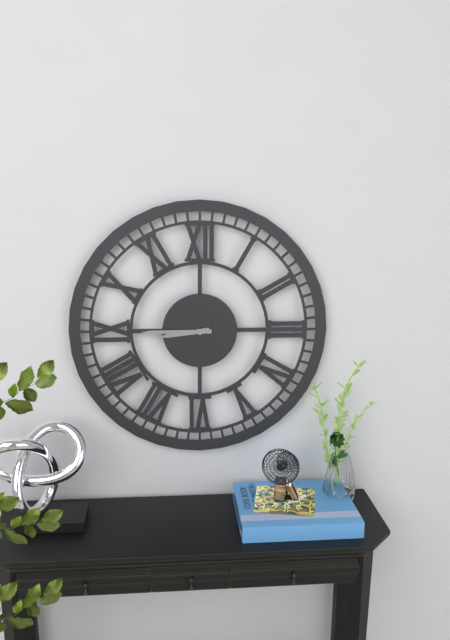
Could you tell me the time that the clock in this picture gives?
8:45
